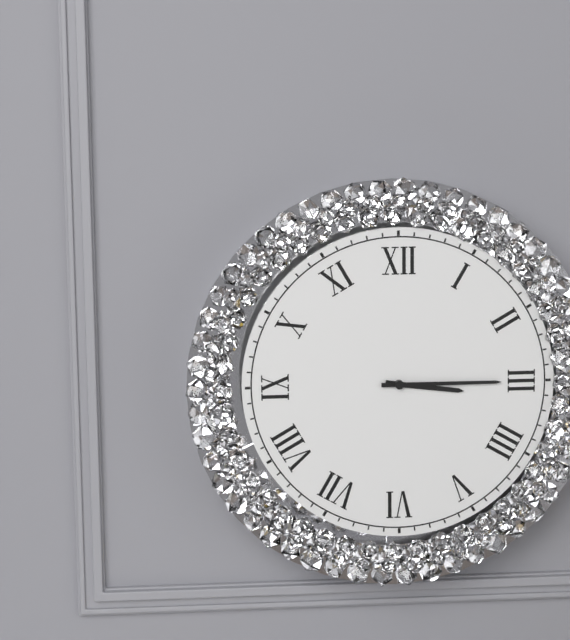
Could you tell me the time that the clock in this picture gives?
3:15
